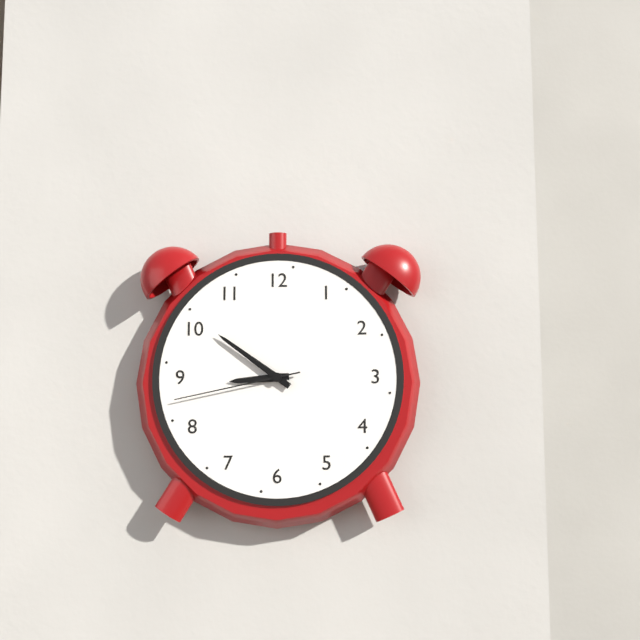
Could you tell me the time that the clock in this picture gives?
8:51:43
